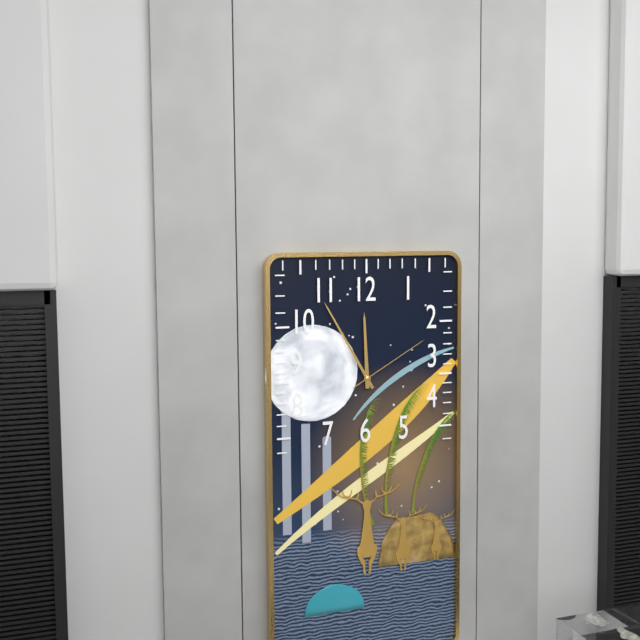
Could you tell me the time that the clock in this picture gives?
11:55:10
